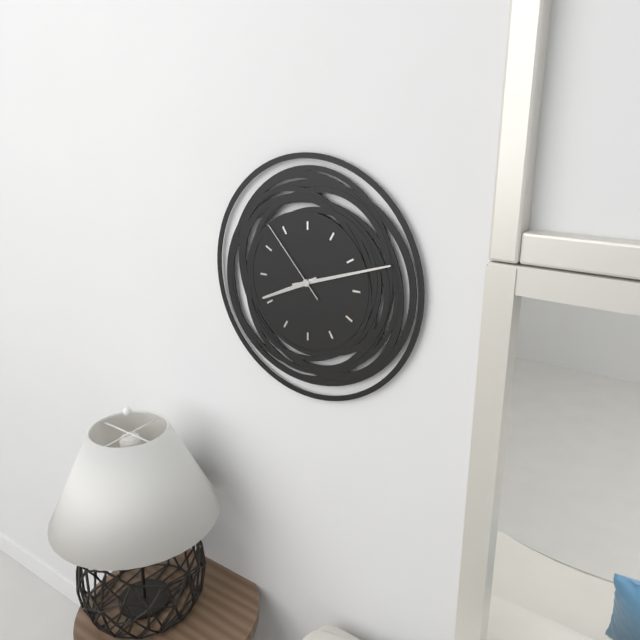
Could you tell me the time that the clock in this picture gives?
8:12:53
